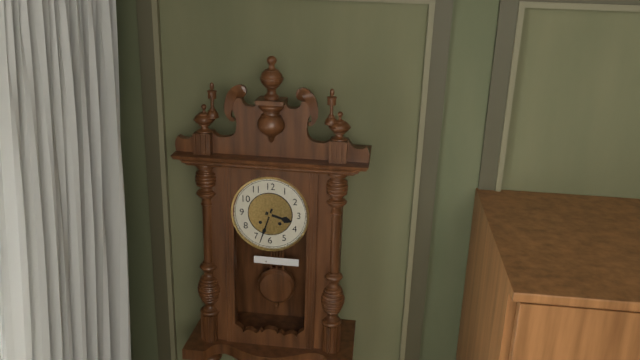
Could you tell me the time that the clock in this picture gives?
3:33
